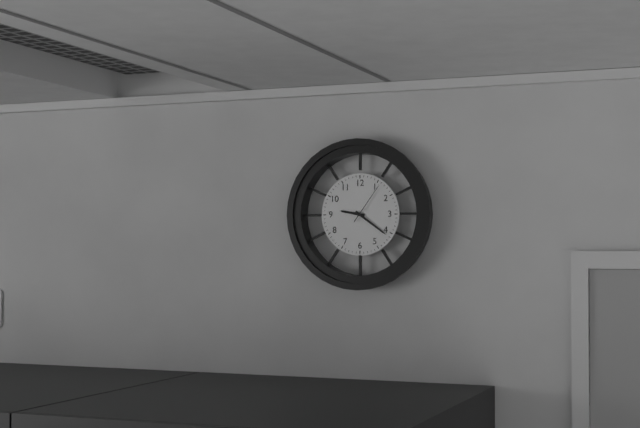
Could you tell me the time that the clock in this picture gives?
9:21
